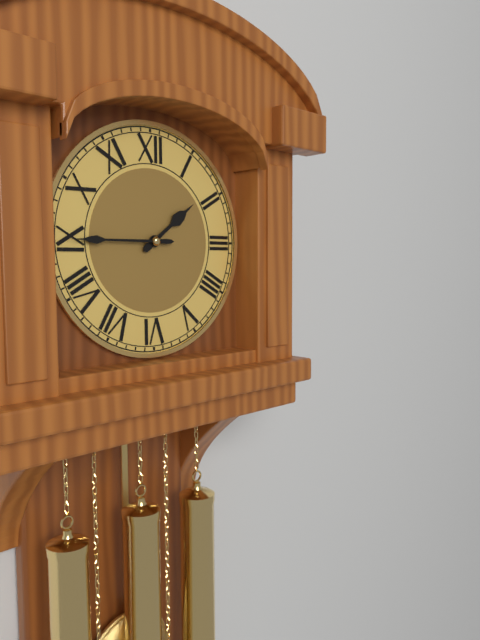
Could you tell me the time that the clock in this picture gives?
1:45
